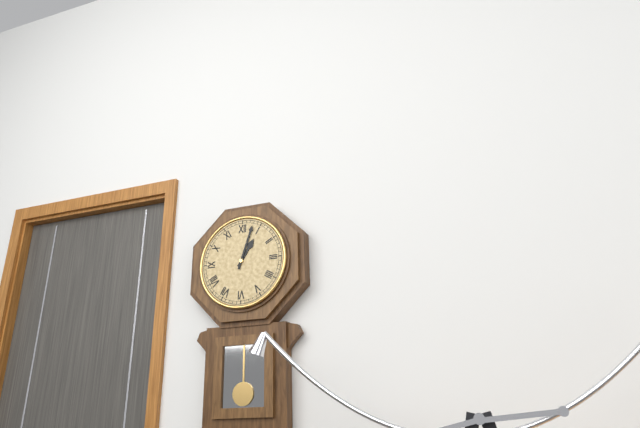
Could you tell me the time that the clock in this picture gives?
1:03
